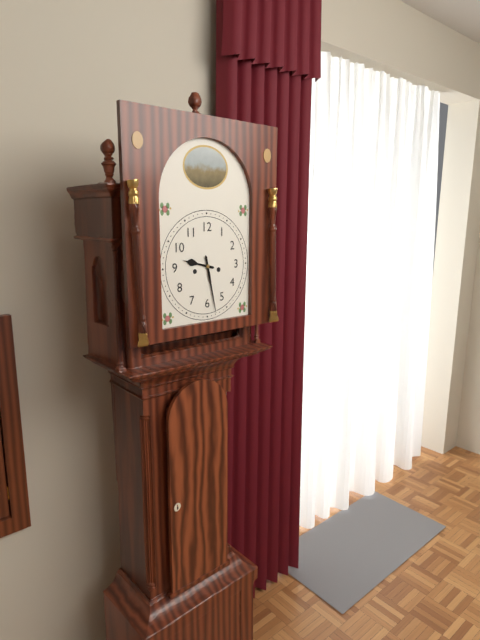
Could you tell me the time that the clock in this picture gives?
9:28
